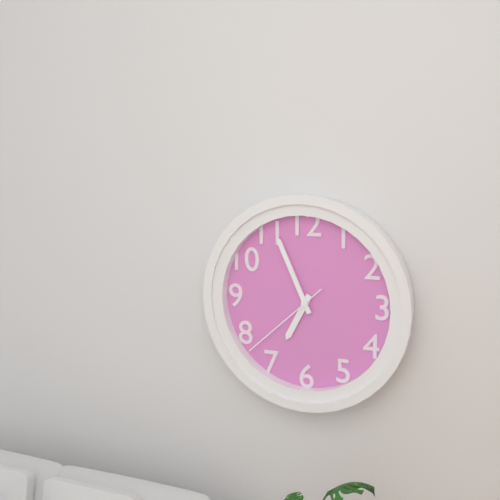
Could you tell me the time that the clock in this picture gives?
6:56:38
